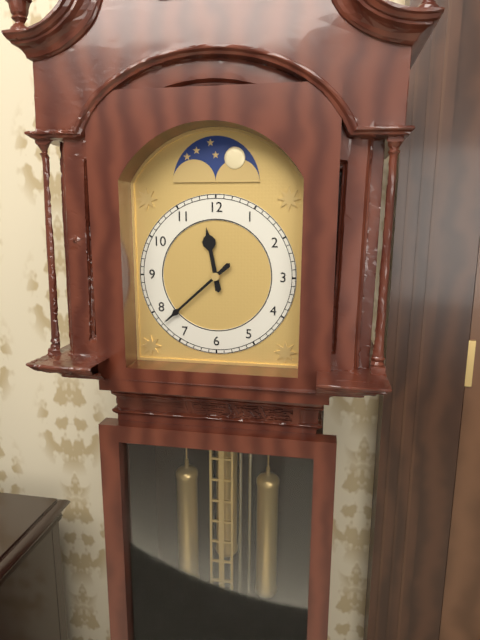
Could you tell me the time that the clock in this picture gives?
11:38
